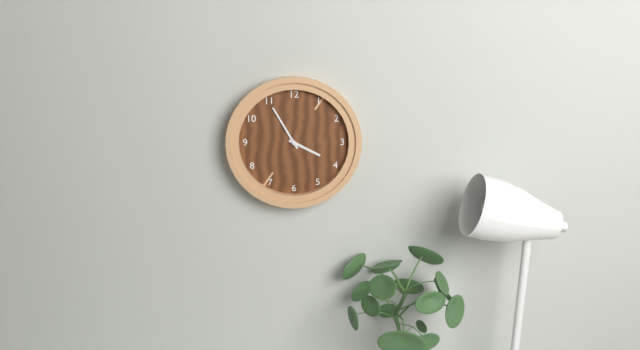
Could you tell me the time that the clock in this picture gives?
3:55
